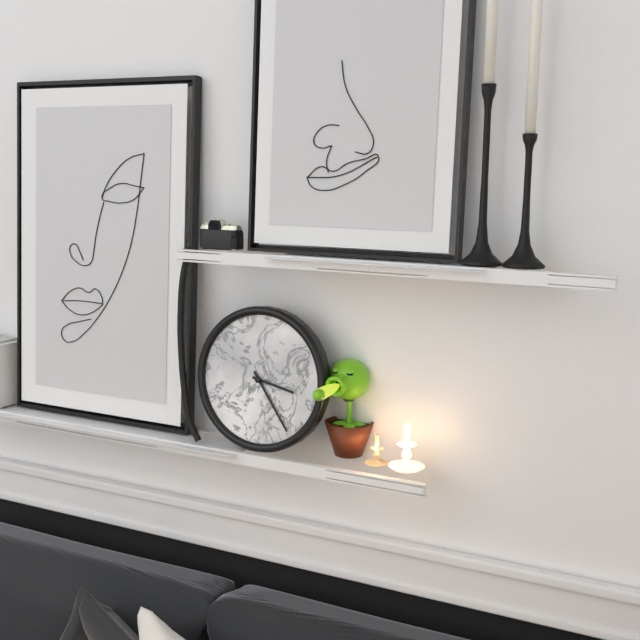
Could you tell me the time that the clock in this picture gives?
3:24
